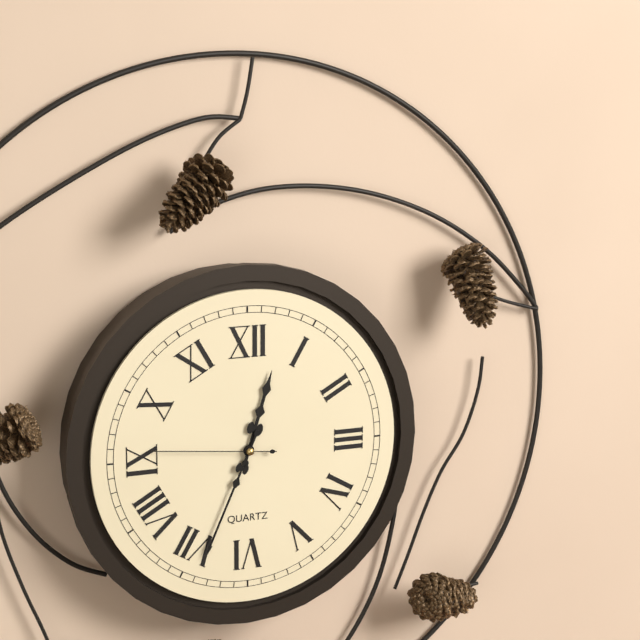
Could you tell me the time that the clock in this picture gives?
12:34:46
